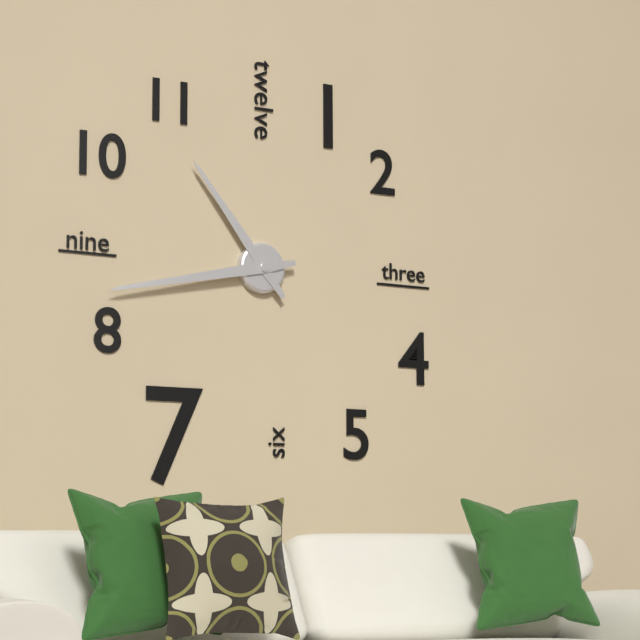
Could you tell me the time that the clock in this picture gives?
10:43
